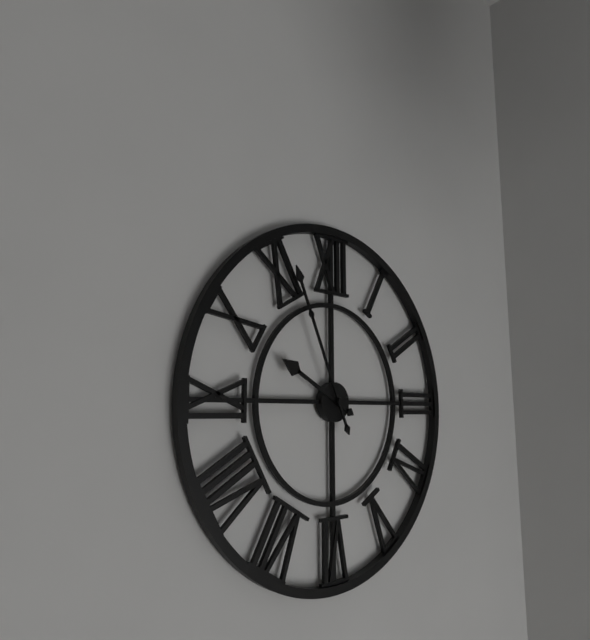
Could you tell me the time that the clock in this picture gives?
9:56
